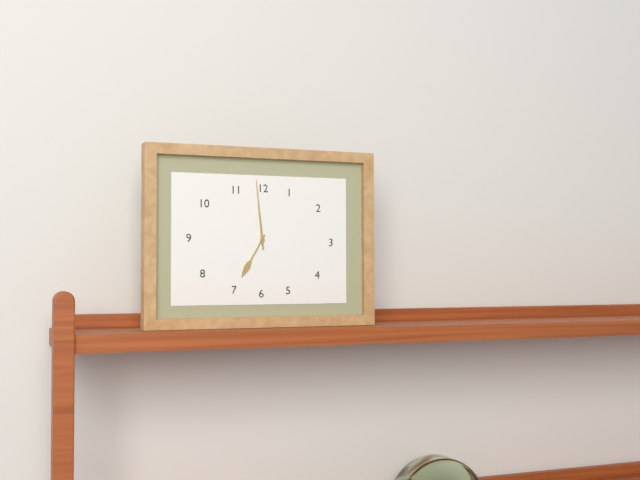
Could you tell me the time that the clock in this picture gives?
6:59
